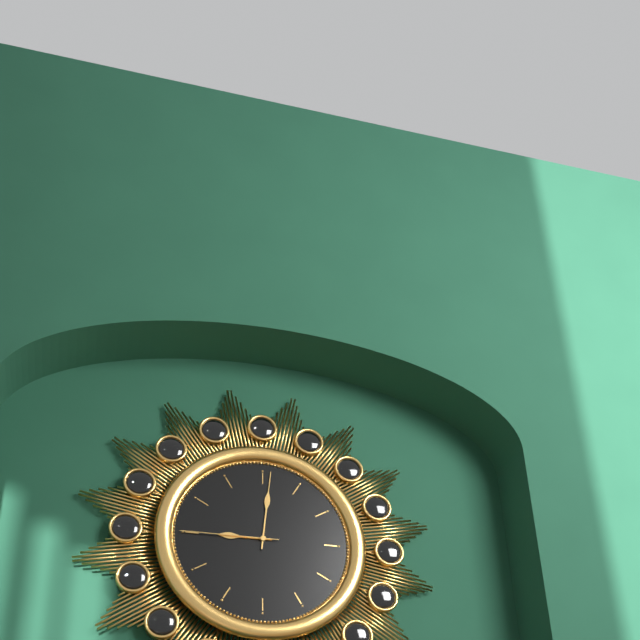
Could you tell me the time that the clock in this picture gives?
9:01:45
